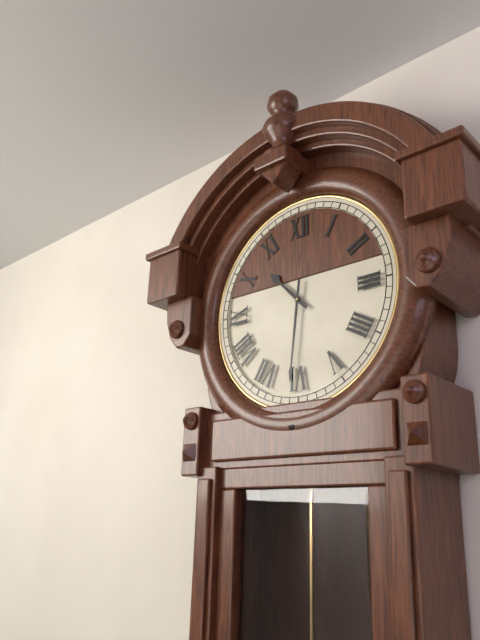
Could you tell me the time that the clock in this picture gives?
10:31
